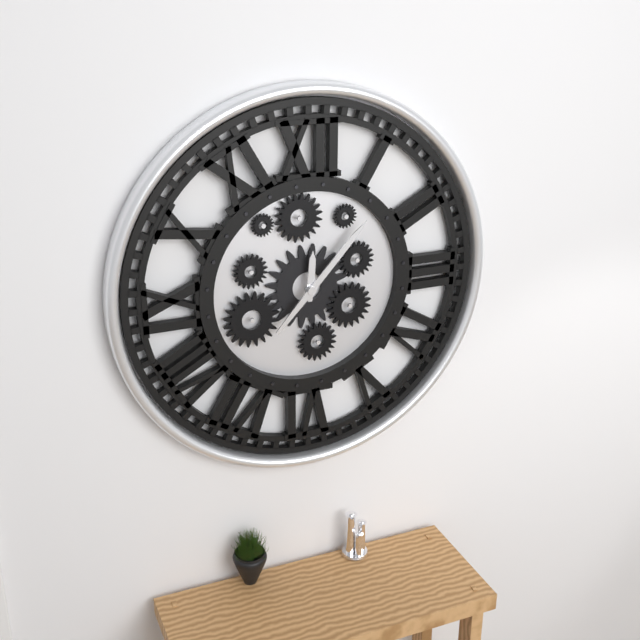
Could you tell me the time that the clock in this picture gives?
12:07
